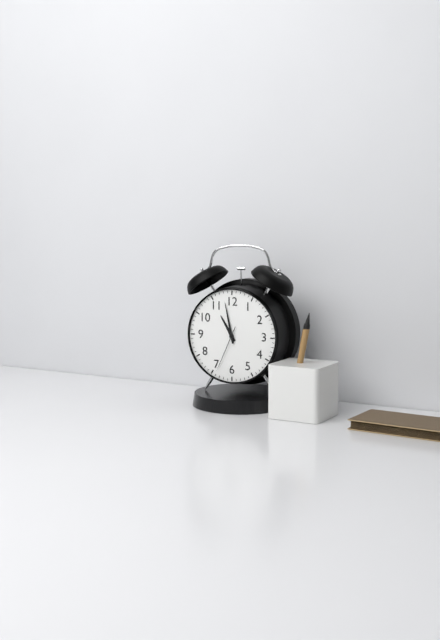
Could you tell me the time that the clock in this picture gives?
10:58
